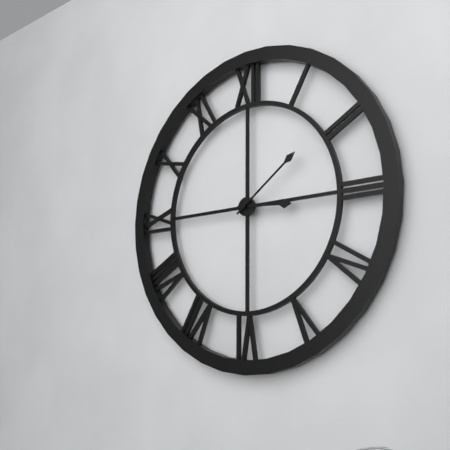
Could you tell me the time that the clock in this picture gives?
3:09
